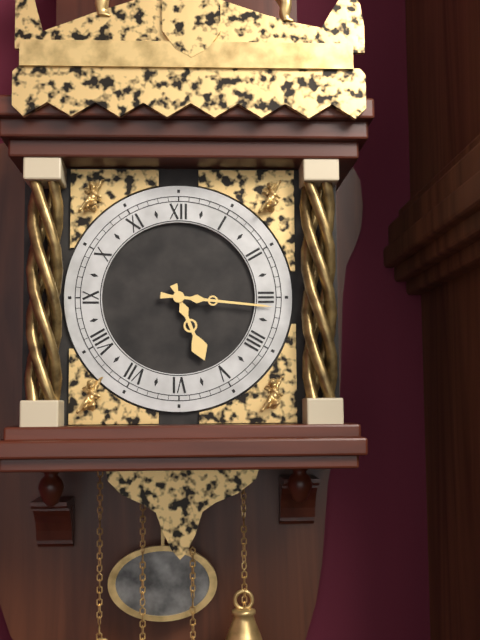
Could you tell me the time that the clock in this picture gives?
5:16
